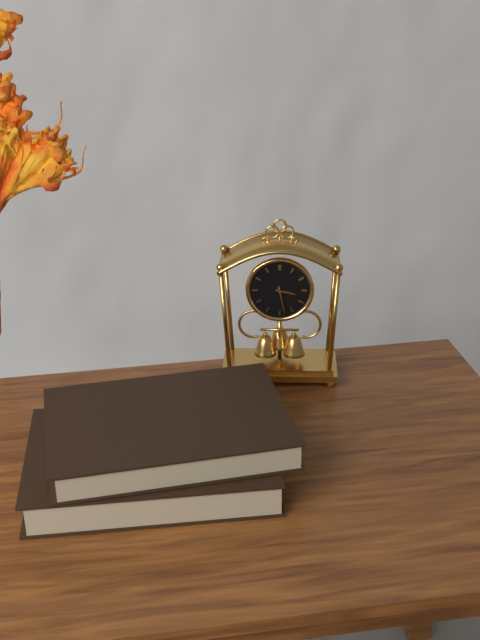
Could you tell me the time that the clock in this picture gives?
3:28
